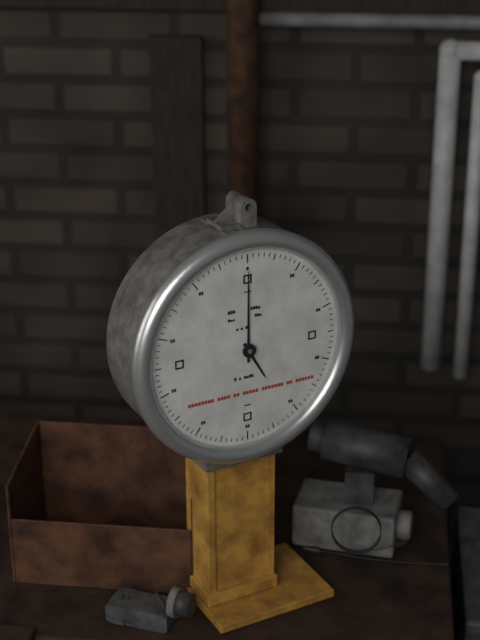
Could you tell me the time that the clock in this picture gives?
5:00
